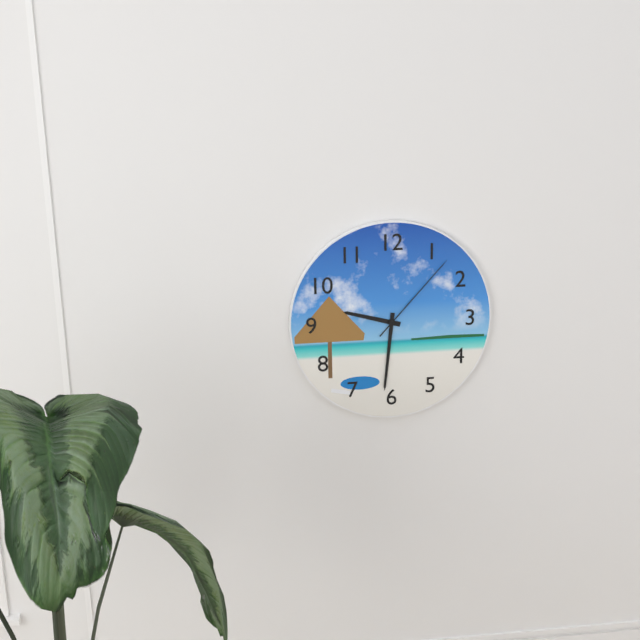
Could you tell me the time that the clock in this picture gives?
9:31:07
